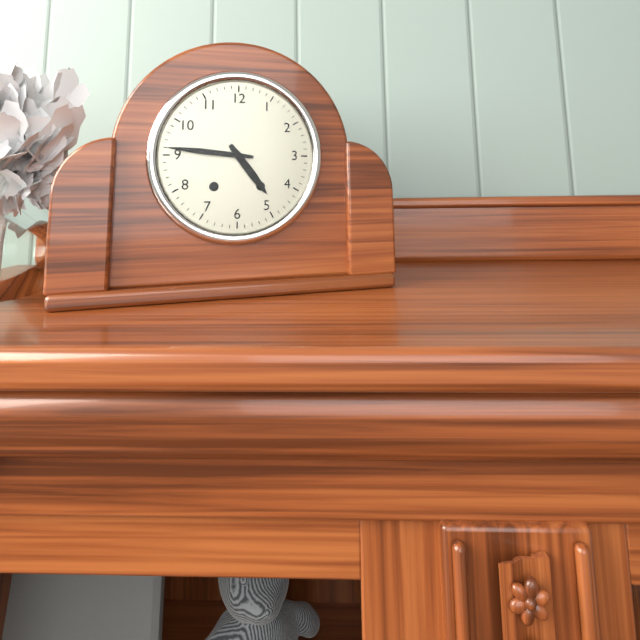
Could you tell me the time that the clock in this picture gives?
4:46
